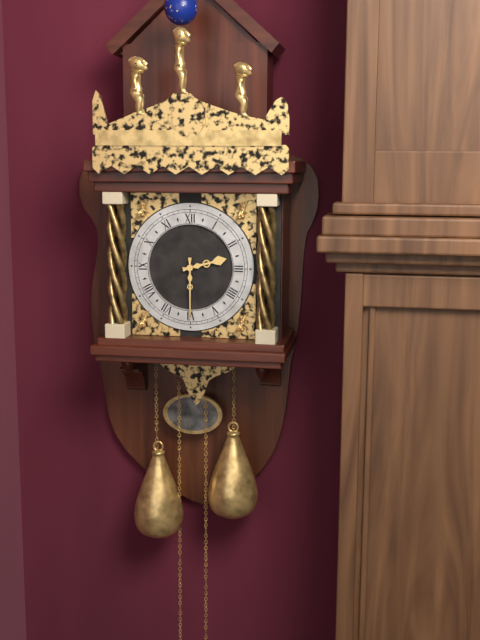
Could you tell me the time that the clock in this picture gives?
2:30
